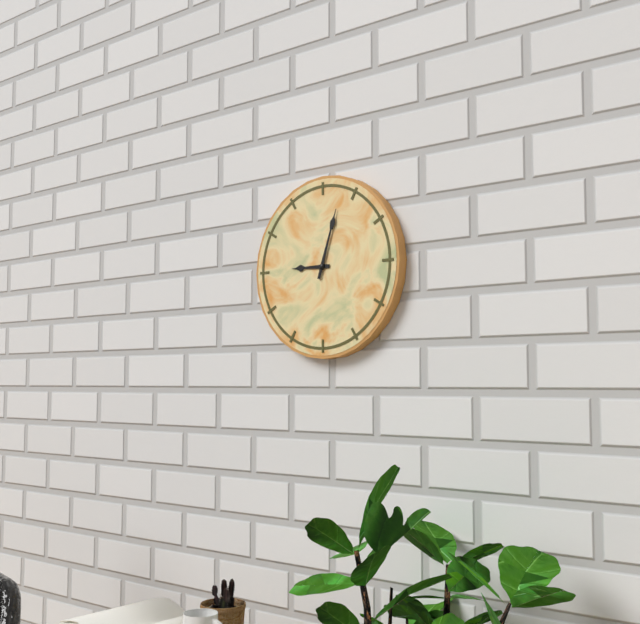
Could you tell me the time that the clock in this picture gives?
9:03
